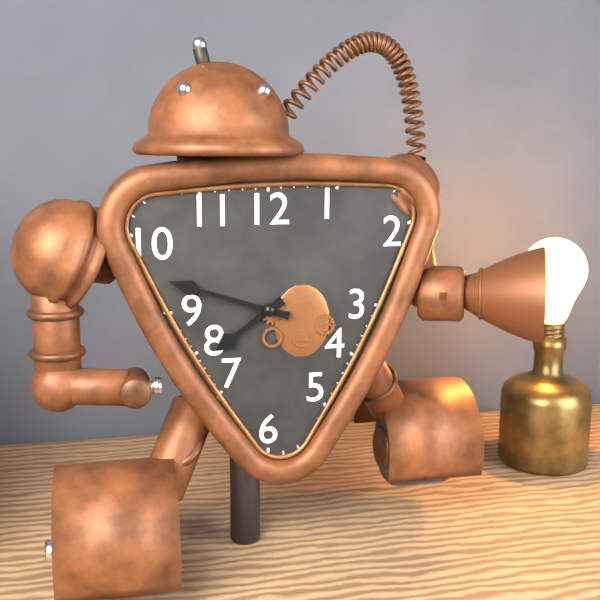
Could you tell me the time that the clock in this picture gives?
7:48
